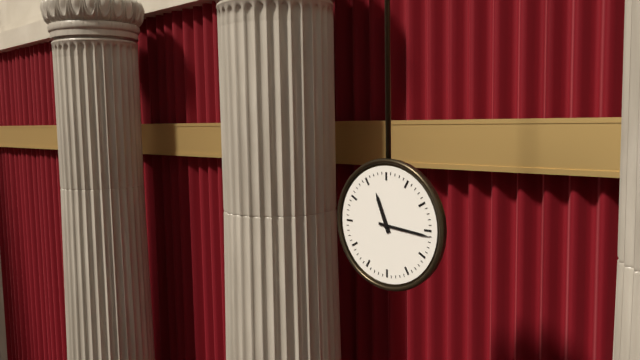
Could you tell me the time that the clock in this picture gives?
11:16
